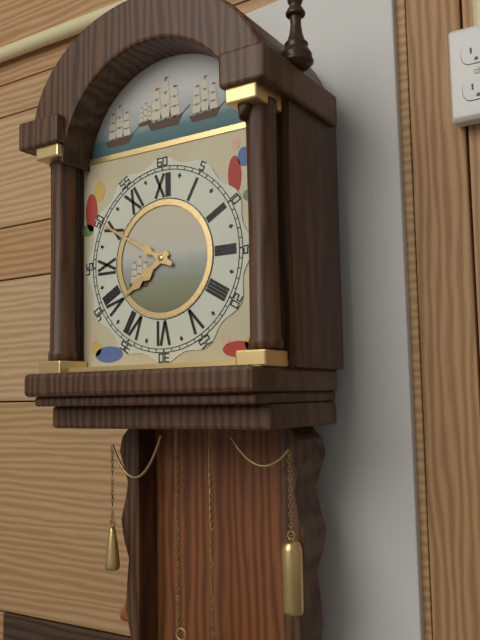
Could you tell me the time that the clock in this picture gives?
7:50
